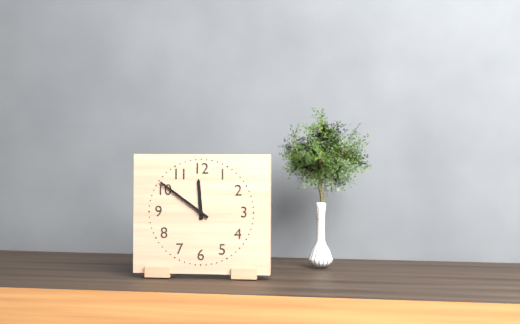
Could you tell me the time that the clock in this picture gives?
11:51
